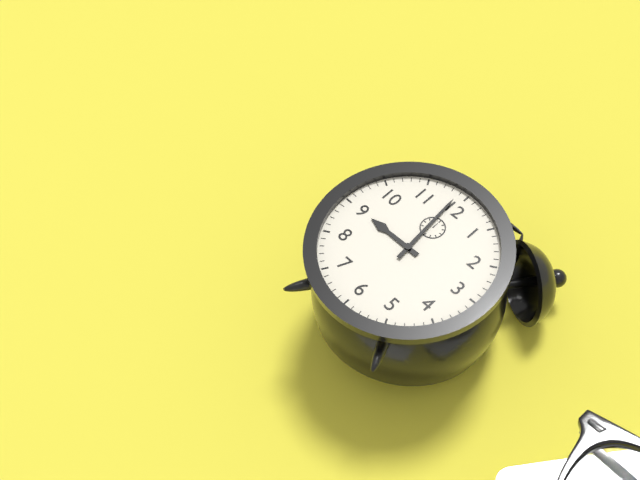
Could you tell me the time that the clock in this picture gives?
8:59
